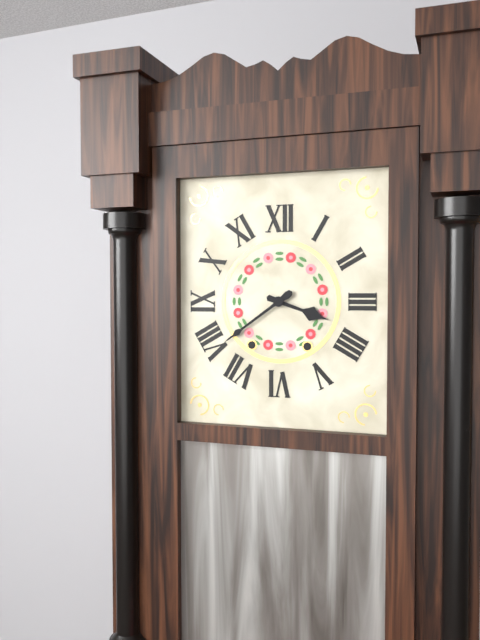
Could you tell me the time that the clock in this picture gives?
3:39
